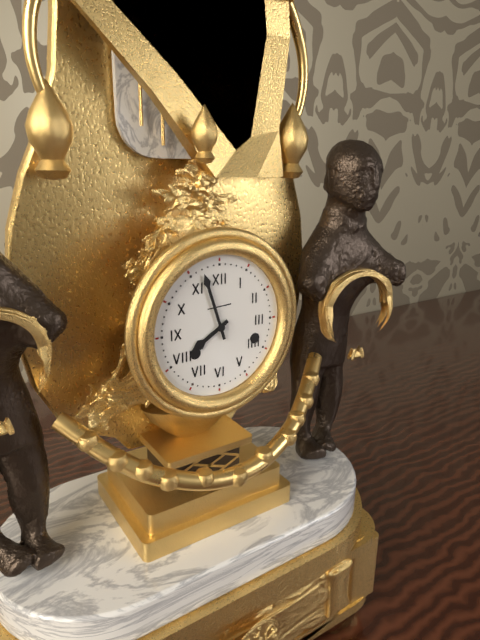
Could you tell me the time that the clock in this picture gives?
7:57
